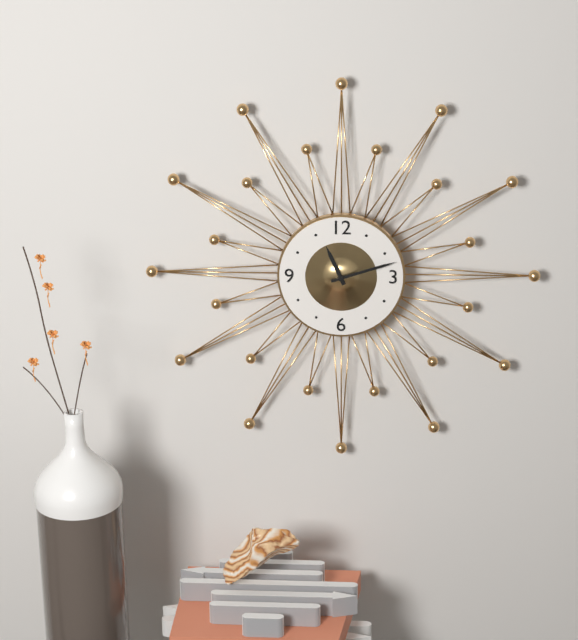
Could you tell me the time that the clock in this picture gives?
11:12
